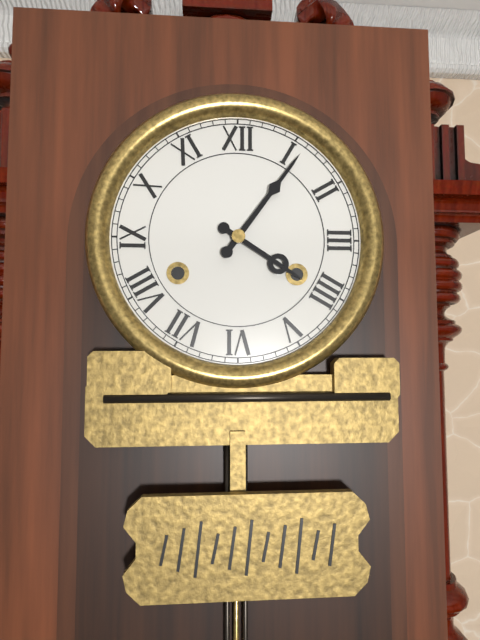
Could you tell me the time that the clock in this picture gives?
4:06
